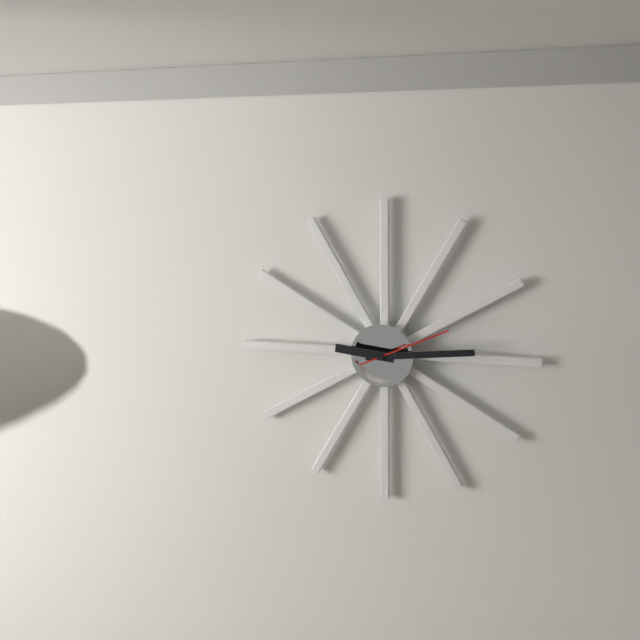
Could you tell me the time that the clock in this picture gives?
9:14:11
